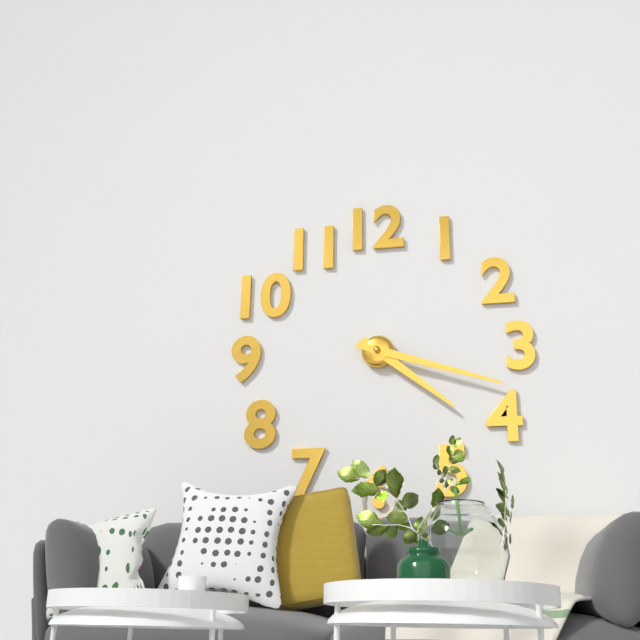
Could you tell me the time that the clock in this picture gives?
4:18
